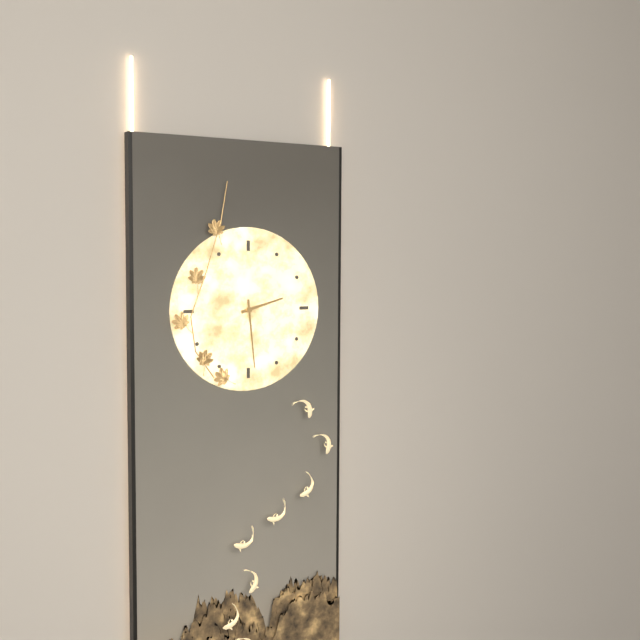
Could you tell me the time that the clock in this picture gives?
2:29
